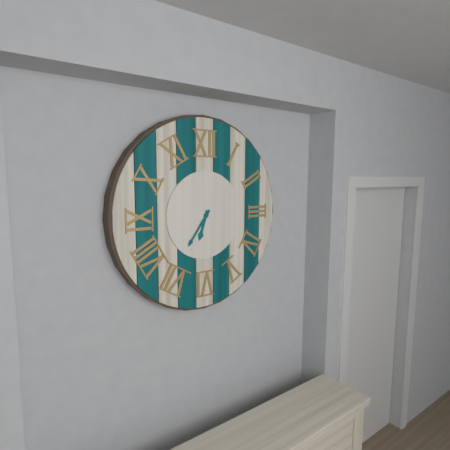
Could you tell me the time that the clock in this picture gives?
6:36
